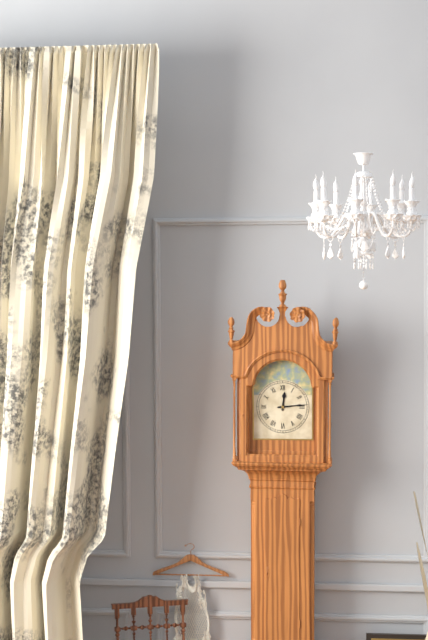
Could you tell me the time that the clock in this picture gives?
12:14
